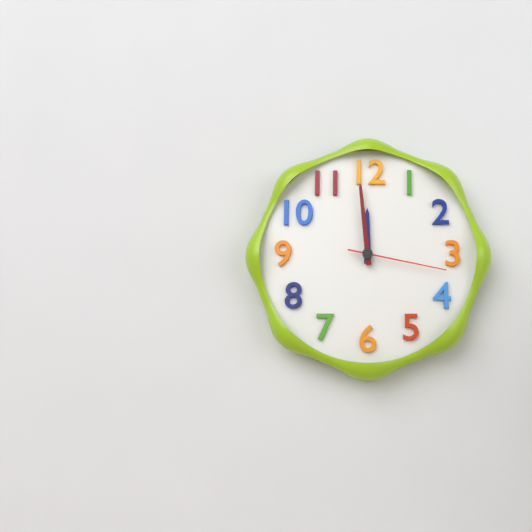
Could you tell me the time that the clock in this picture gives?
11:59:17
